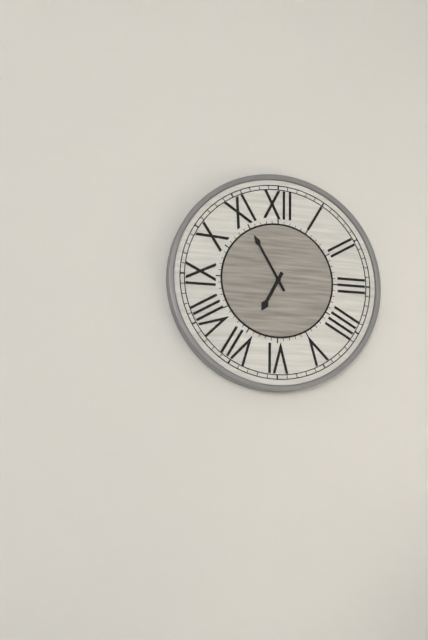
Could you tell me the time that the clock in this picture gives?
6:55
